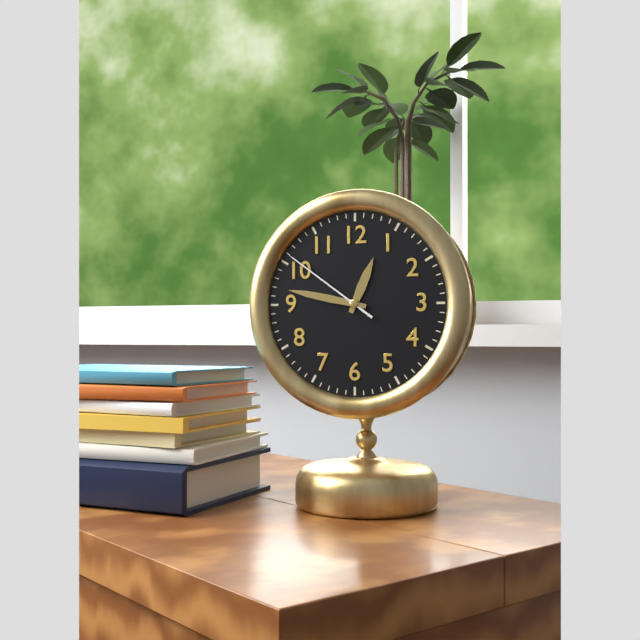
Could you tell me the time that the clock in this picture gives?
12:47:51
